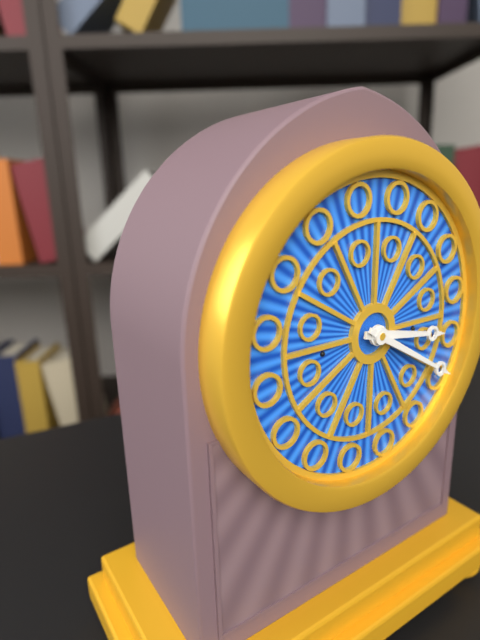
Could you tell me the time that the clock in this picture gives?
3:20
